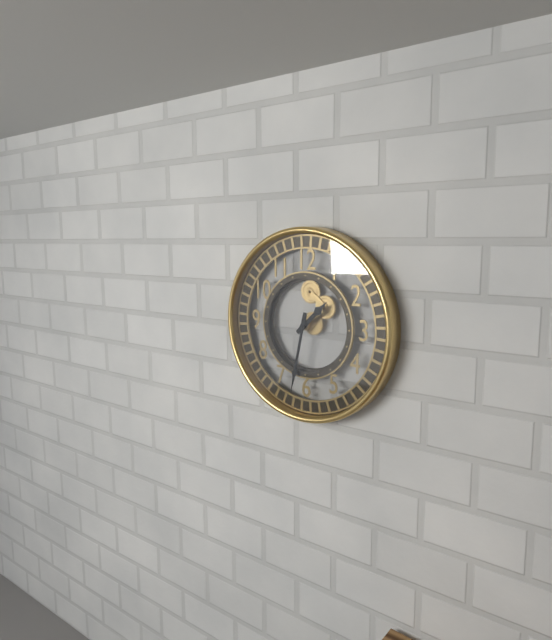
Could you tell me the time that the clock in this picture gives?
1:32
